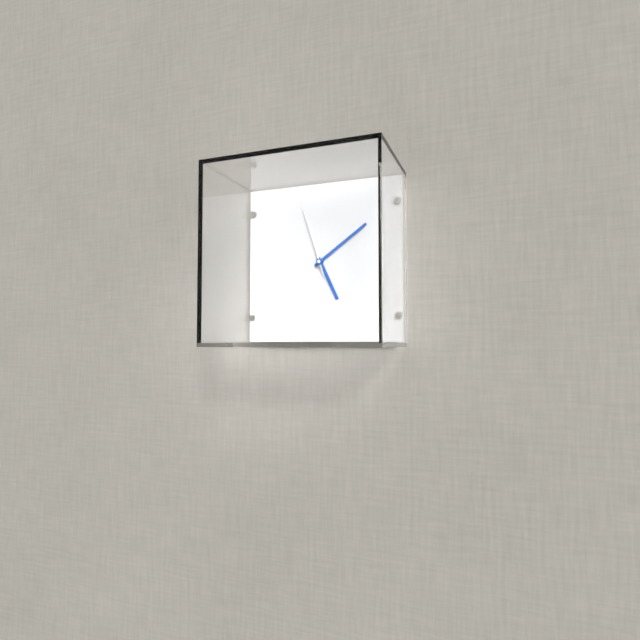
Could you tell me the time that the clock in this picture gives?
5:09:57
